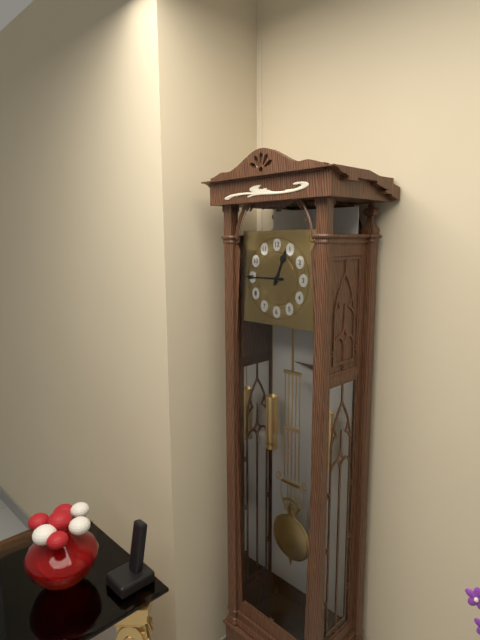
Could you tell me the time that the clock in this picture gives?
12:45
